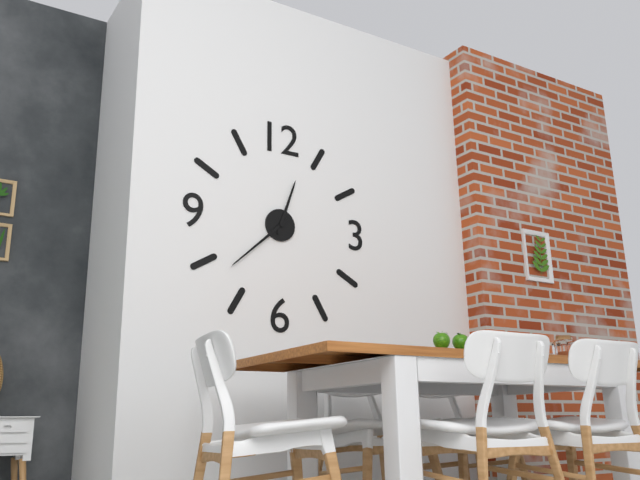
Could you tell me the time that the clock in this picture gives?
12:38
